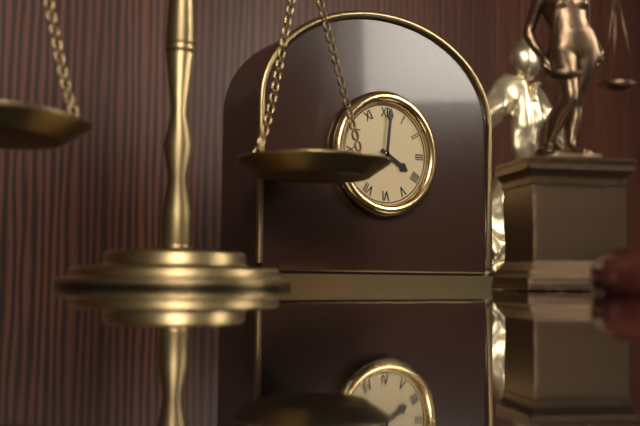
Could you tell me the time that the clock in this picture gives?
4:01
